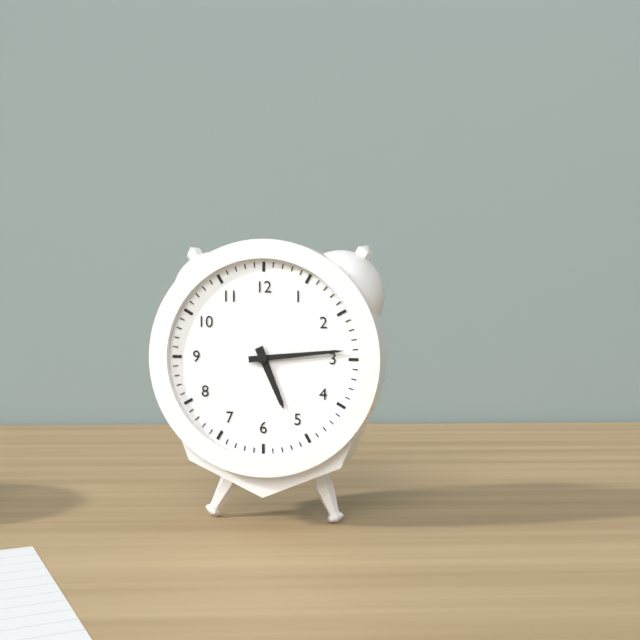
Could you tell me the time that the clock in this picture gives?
5:14
